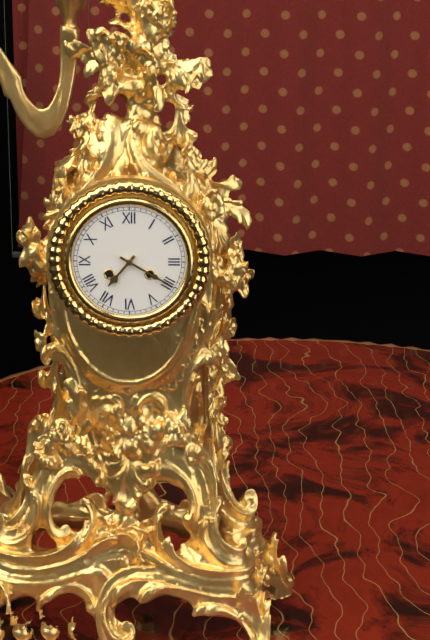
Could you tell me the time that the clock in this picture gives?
7:20
